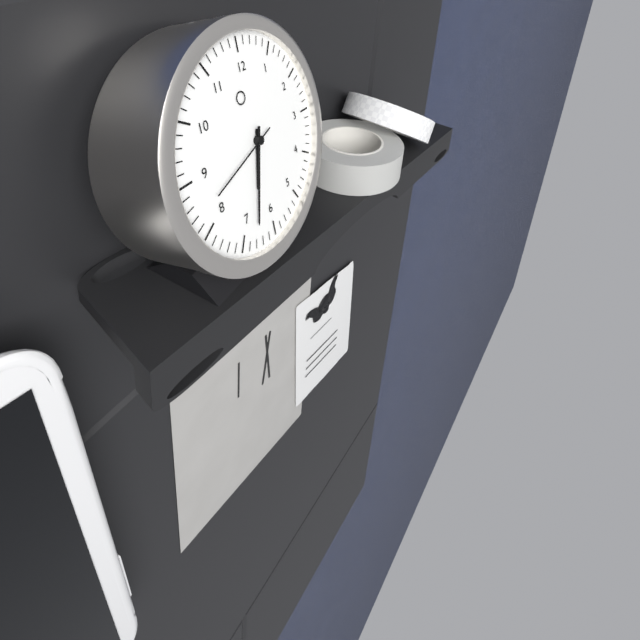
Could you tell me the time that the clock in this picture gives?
6:33:42
